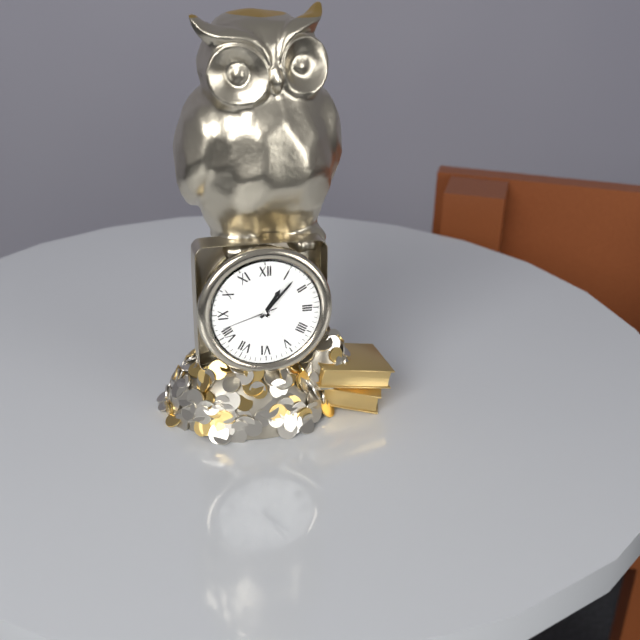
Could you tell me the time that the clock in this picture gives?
1:07:42
